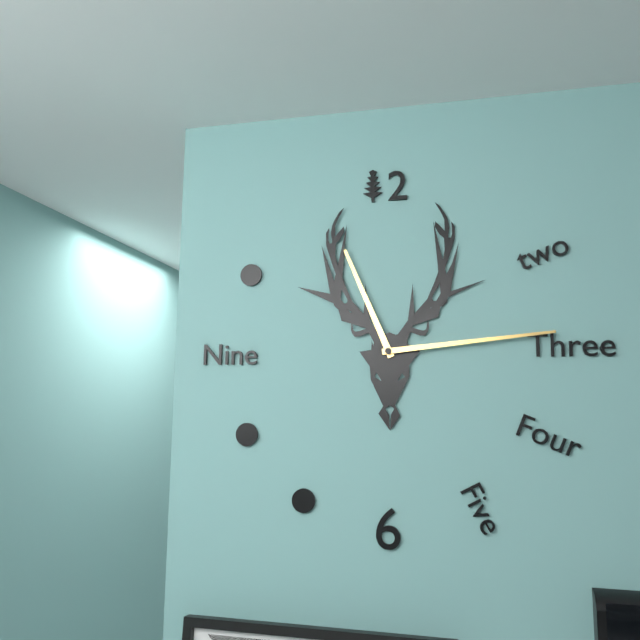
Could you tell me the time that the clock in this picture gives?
11:14
